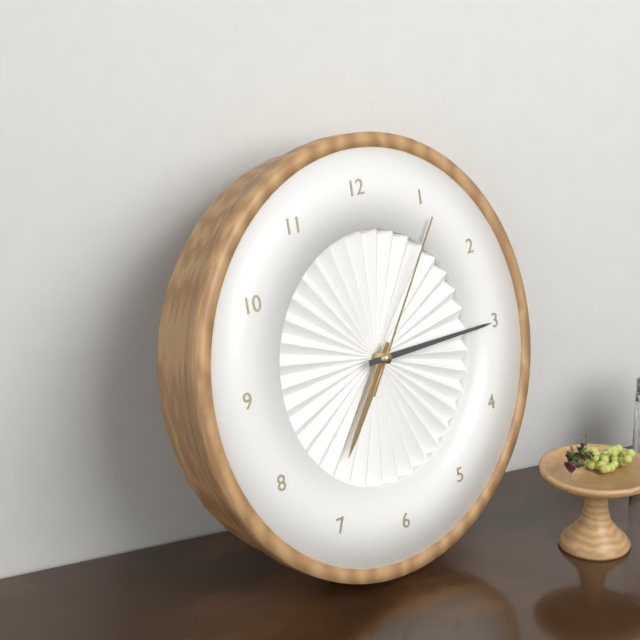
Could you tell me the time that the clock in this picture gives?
7:15:06
